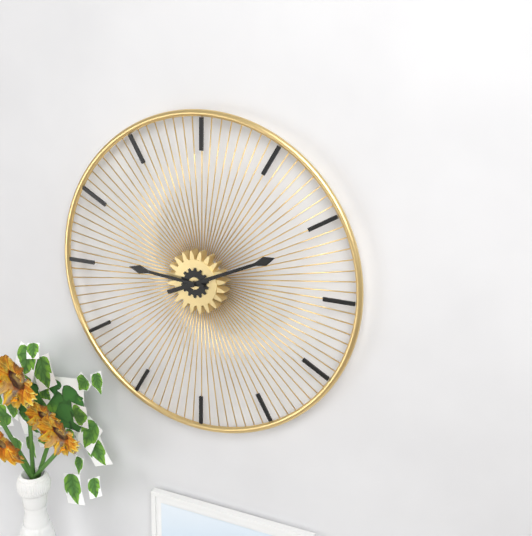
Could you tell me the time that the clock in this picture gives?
9:11
